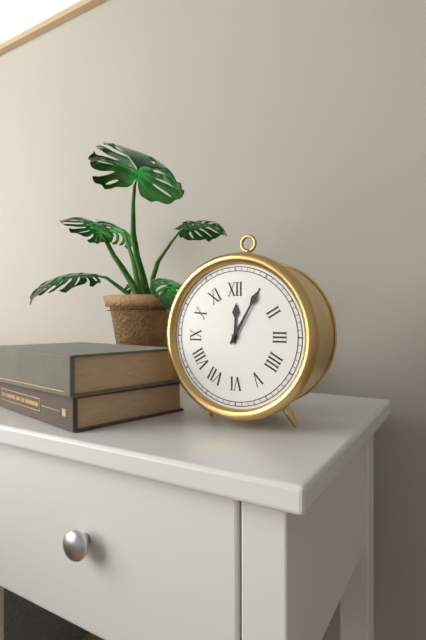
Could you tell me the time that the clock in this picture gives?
12:05
